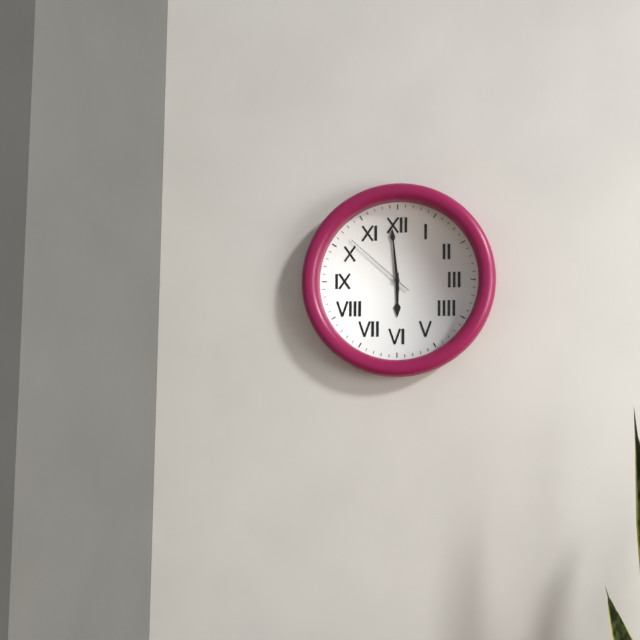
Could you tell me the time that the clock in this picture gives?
5:59:52
